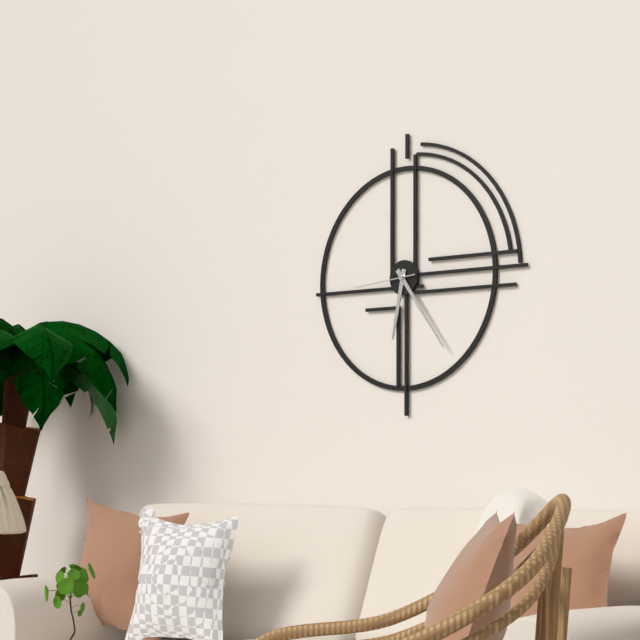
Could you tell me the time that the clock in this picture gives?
6:24:44
